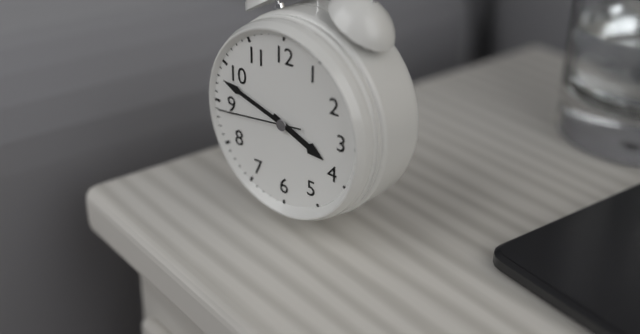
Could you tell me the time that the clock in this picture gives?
3:48:44
